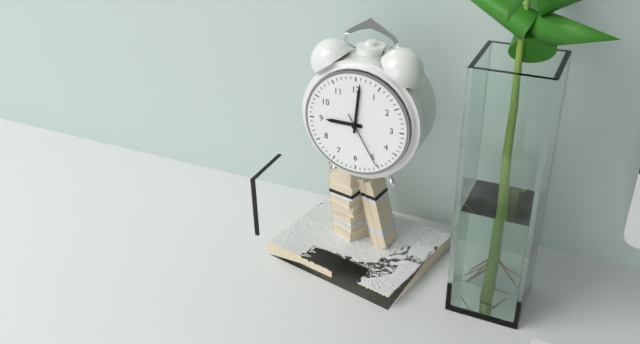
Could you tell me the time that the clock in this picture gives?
9:01:25
